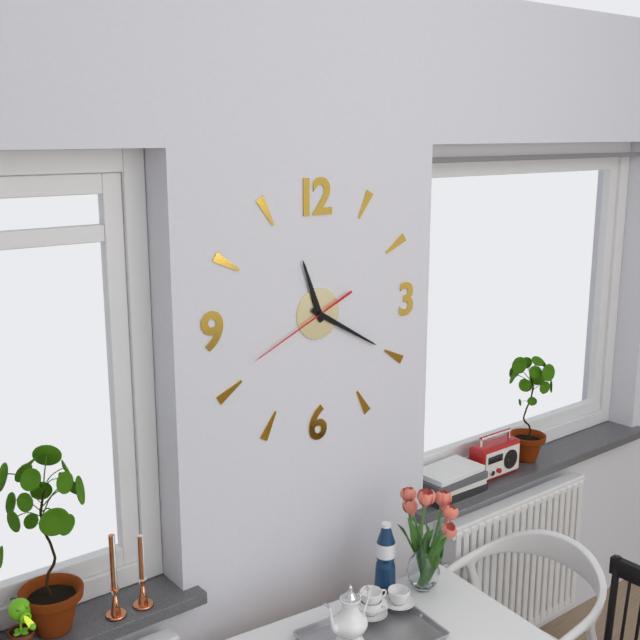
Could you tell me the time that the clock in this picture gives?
11:20:41
